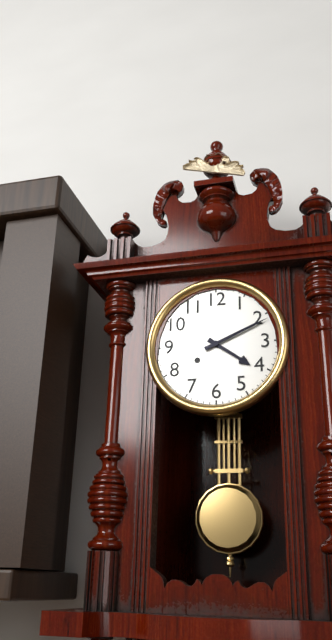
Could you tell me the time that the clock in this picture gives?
4:11
